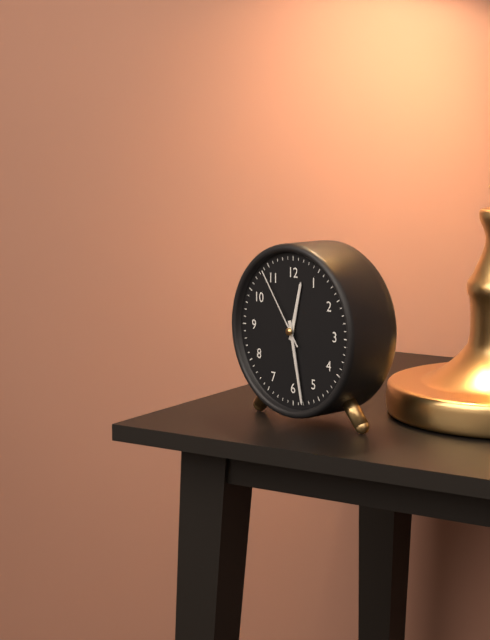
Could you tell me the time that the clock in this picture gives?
12:28:54
